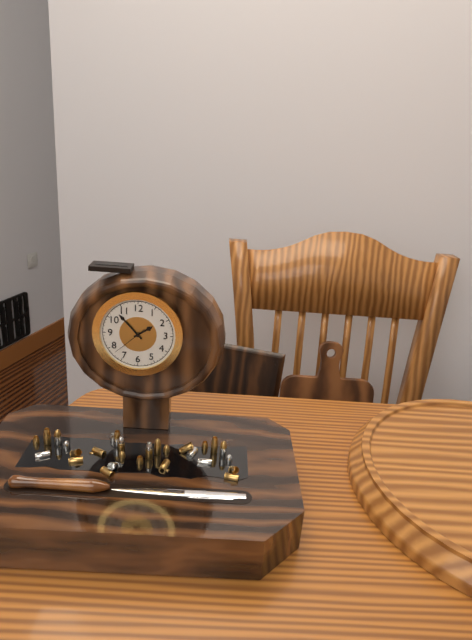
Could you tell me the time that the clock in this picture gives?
1:53
